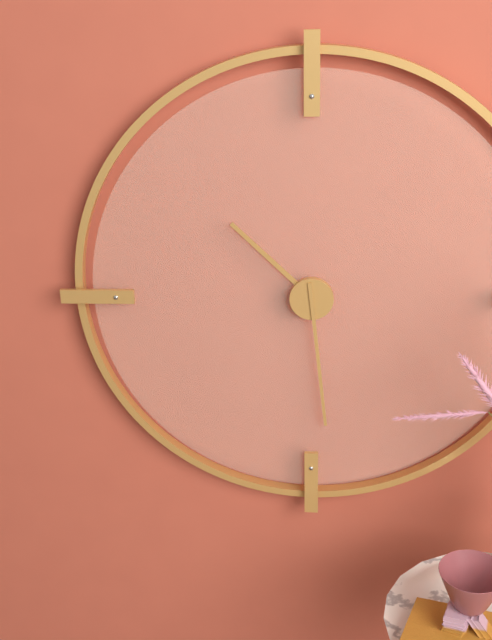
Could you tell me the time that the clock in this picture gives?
10:29
